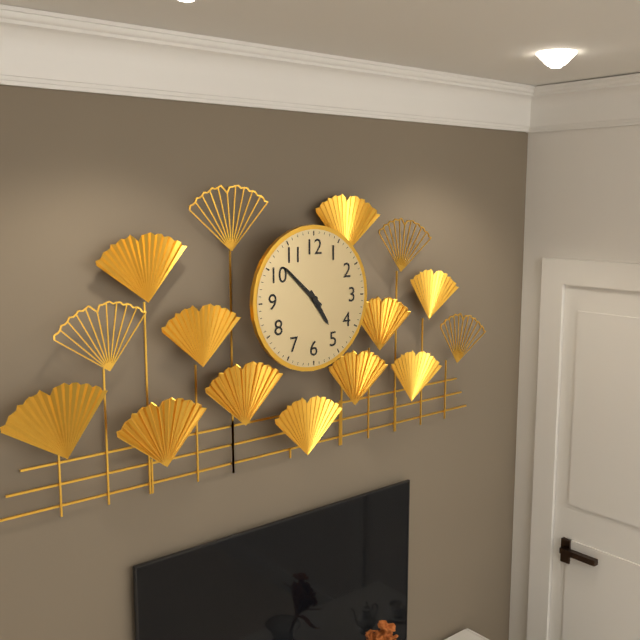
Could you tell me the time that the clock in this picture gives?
4:52
